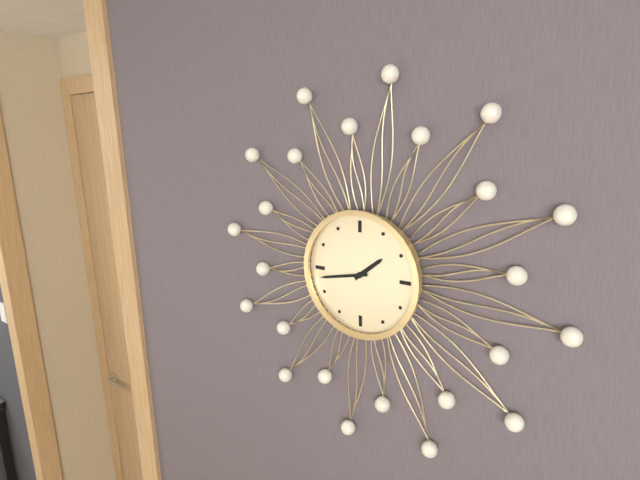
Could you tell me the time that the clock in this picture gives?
1:43
